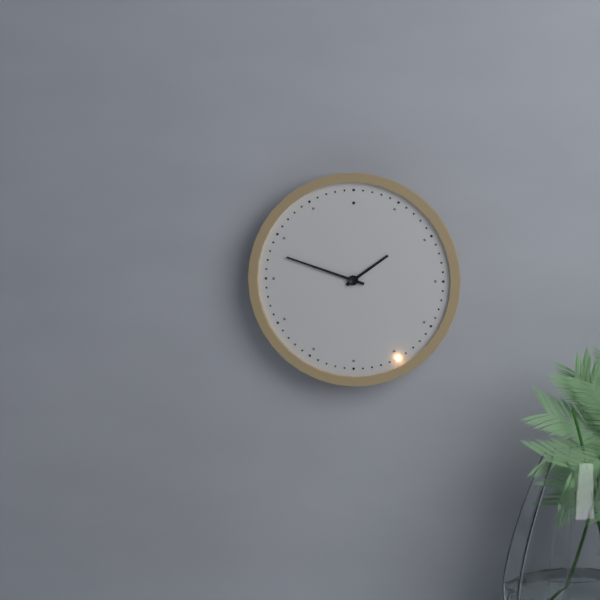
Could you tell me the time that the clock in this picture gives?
1:48
